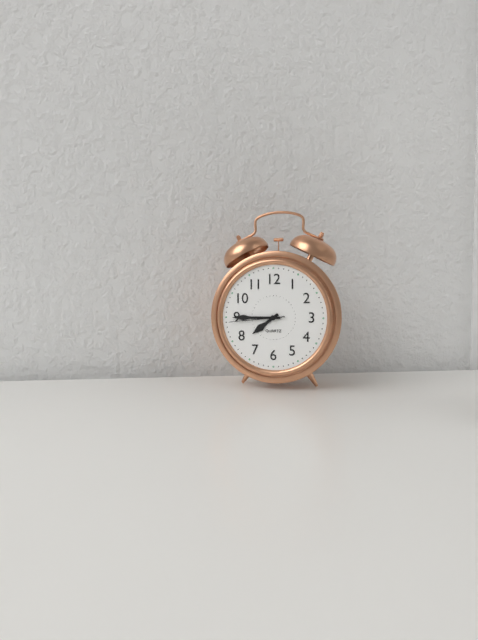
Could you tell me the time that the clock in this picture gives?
7:45:44
